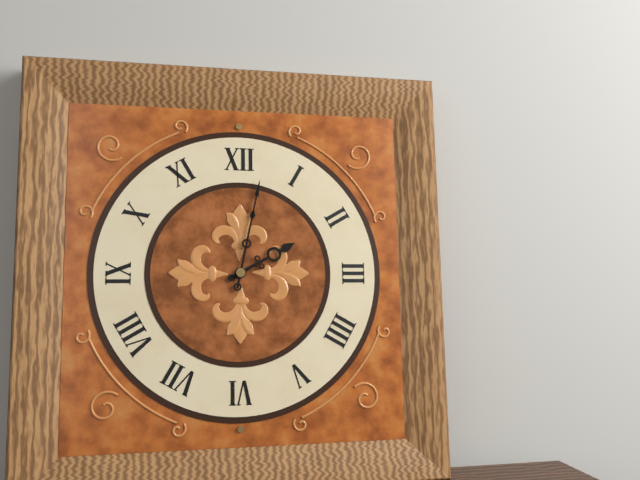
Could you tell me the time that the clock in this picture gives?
2:02
